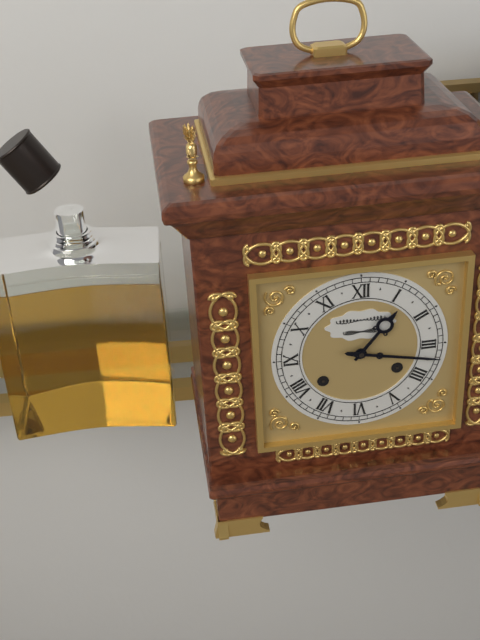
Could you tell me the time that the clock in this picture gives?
1:17
